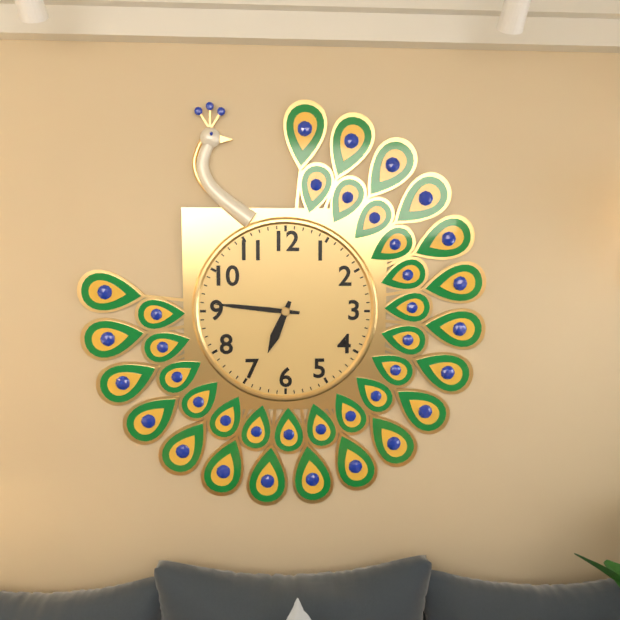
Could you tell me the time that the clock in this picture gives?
6:46
